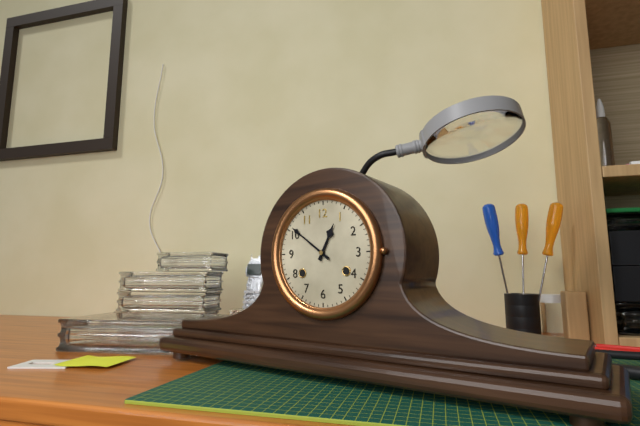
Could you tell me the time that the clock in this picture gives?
12:51
